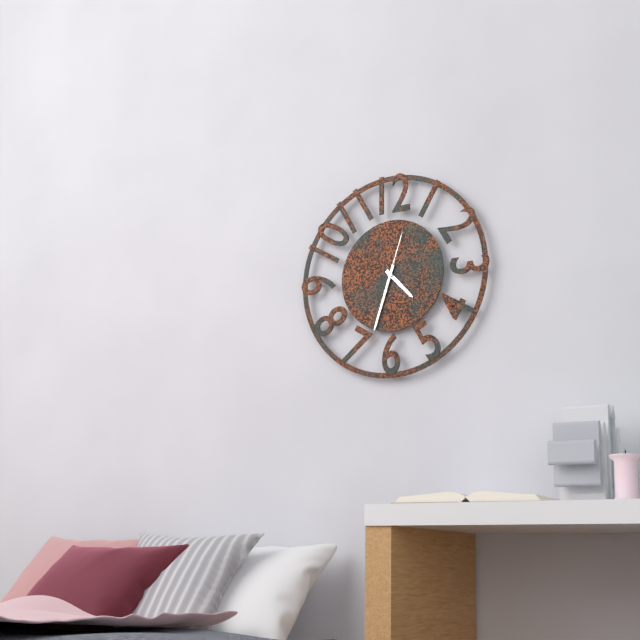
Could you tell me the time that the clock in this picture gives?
4:33:03
